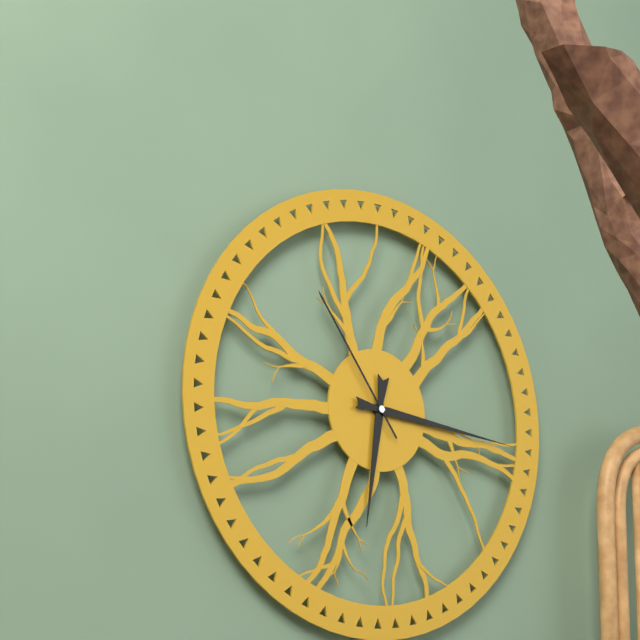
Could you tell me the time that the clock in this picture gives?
6:16:54
